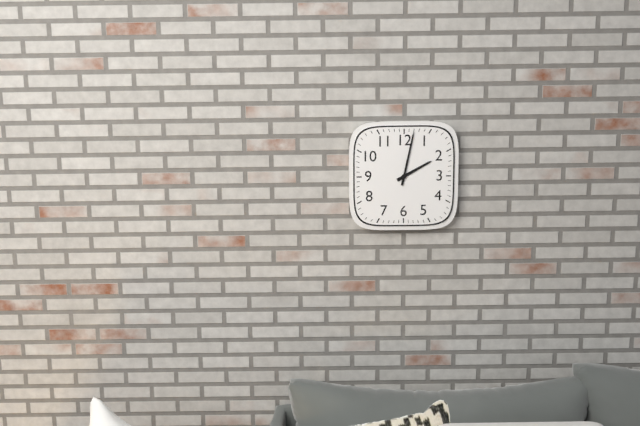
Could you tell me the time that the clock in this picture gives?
2:02
